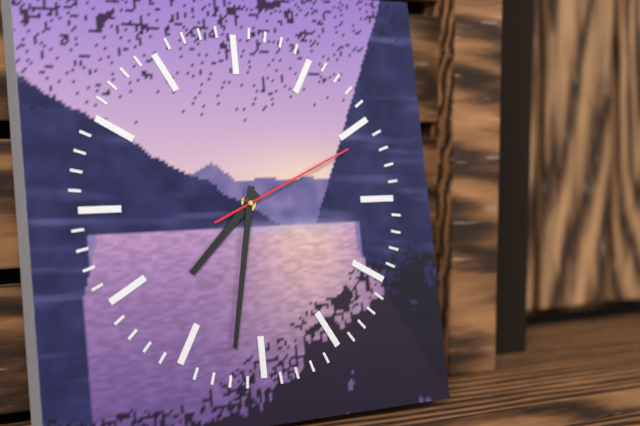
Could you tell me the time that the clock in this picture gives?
7:32:11
